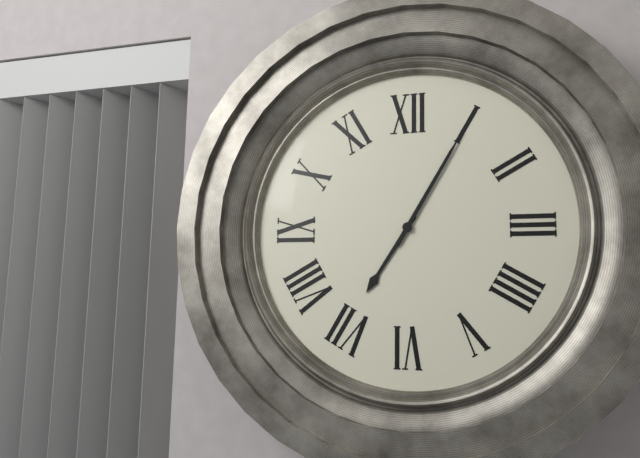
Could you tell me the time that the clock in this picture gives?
7:05
